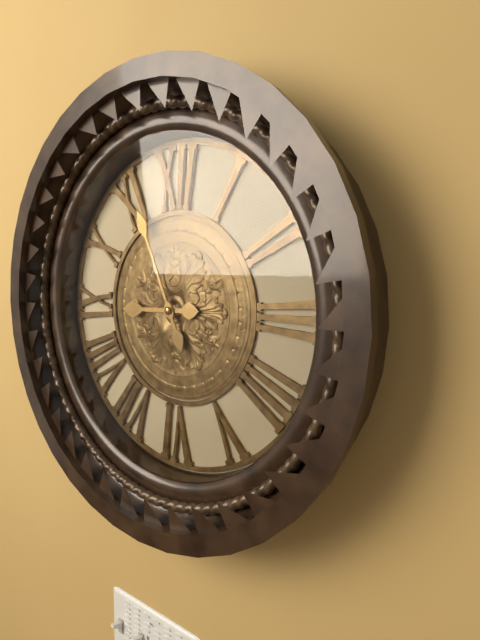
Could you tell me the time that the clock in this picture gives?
8:56
